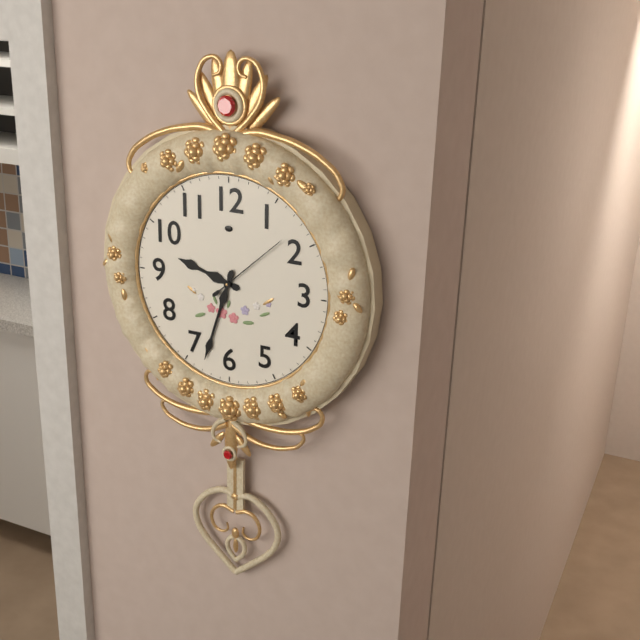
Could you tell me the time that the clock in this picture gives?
9:33:08
